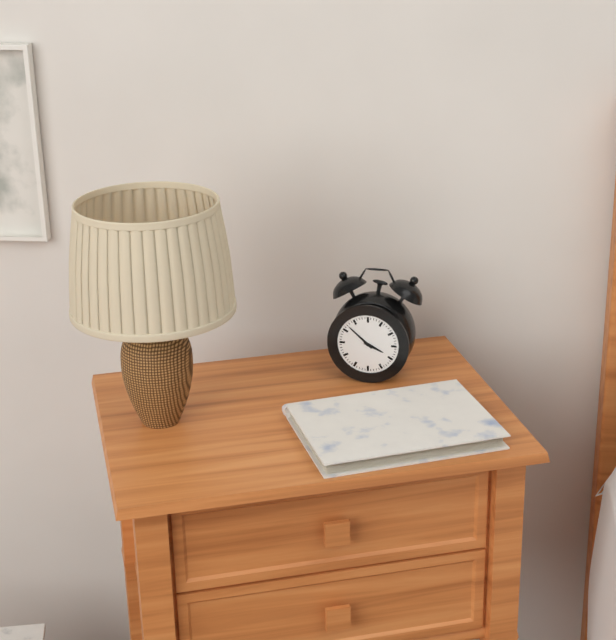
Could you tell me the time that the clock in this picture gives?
3:52
